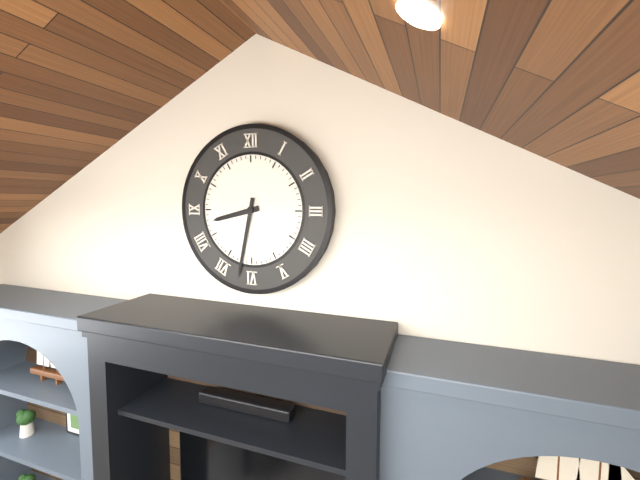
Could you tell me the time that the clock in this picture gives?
8:32
